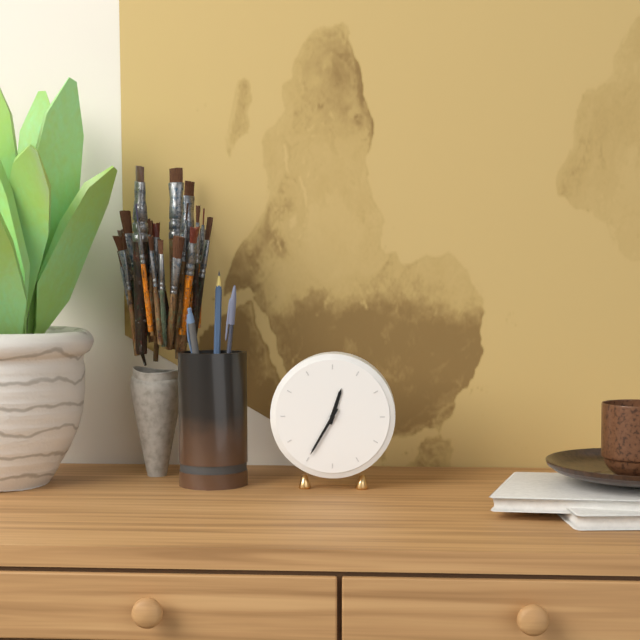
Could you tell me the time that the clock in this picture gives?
12:35
